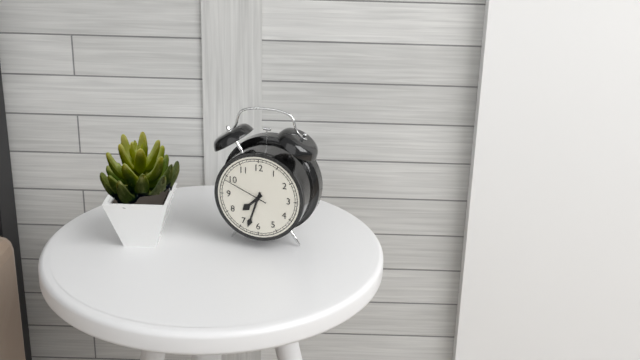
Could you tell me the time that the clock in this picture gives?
7:33
